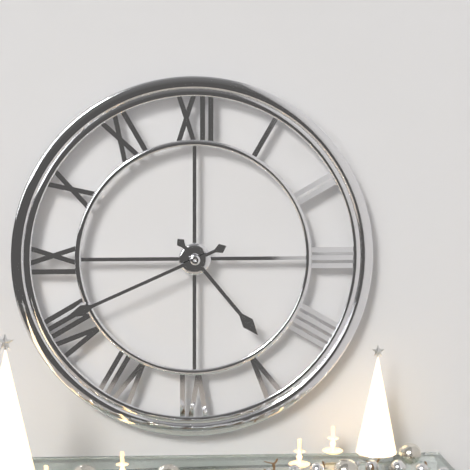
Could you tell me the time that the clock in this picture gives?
4:41
